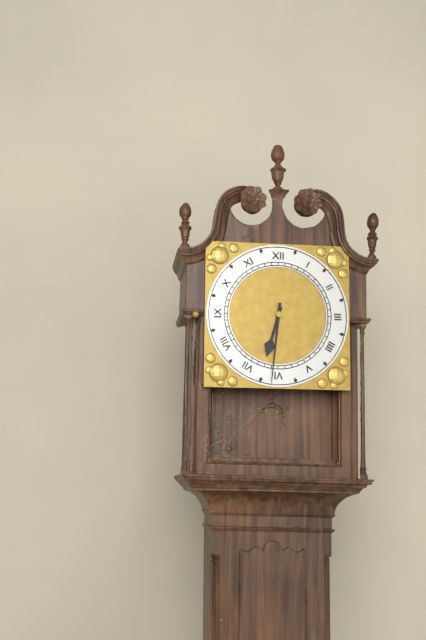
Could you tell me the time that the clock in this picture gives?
6:31
